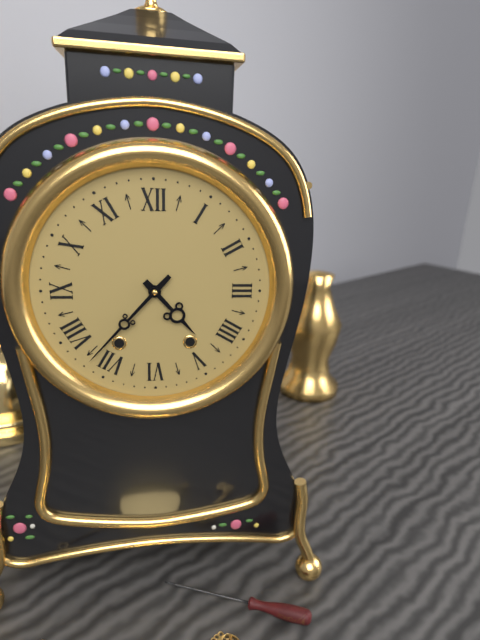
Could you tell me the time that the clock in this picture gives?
4:37
